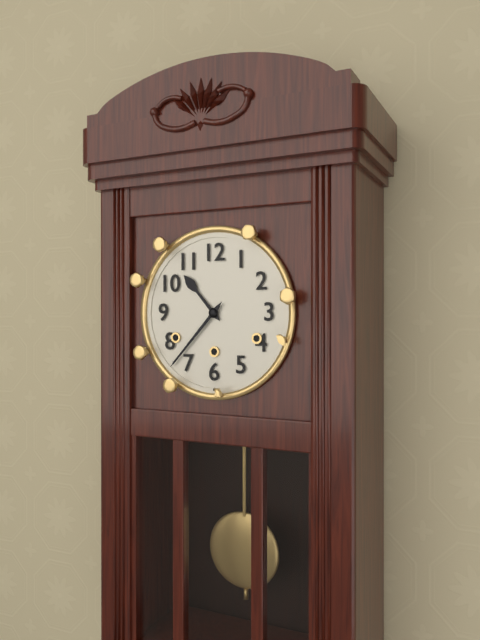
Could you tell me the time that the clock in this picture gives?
10:37
